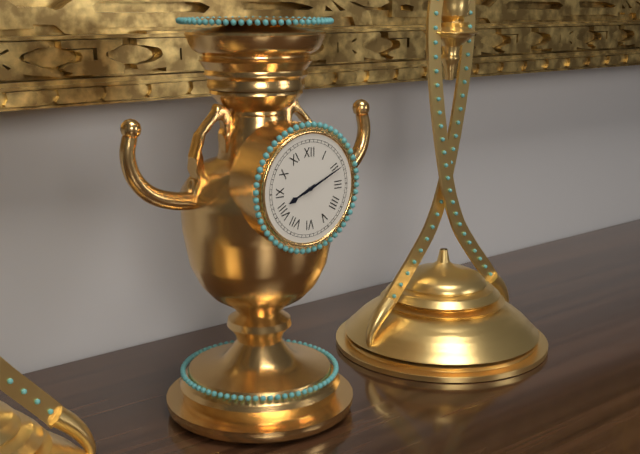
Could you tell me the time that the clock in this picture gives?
8:11
